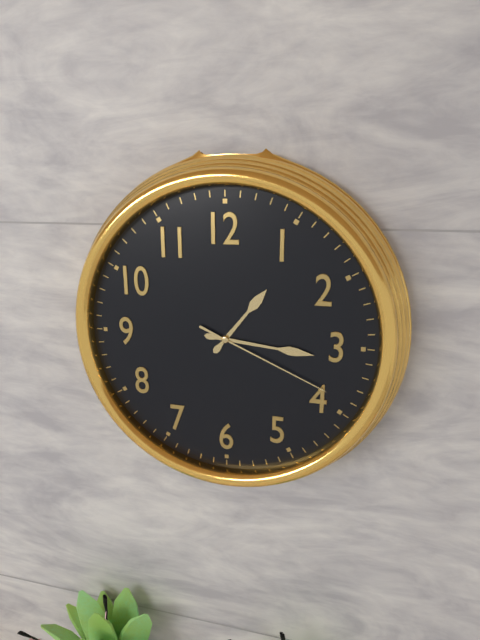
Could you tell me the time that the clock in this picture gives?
1:16:19
